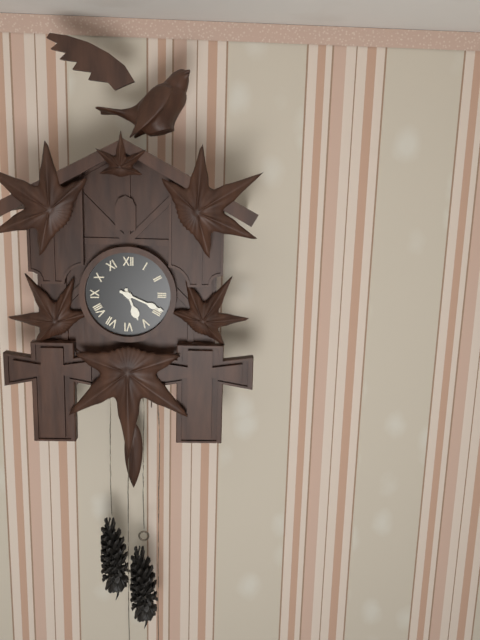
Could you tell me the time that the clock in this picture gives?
5:19
